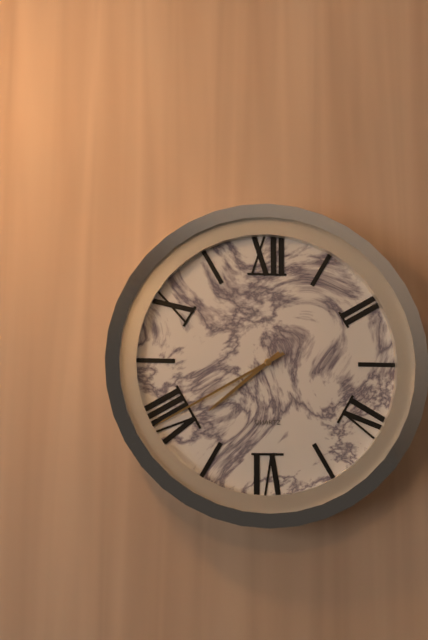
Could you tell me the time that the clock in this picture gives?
7:40
